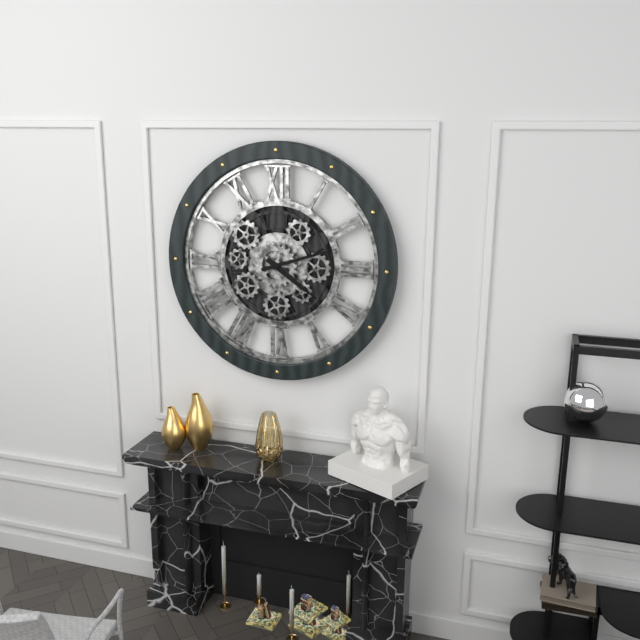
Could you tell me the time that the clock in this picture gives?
4:12
